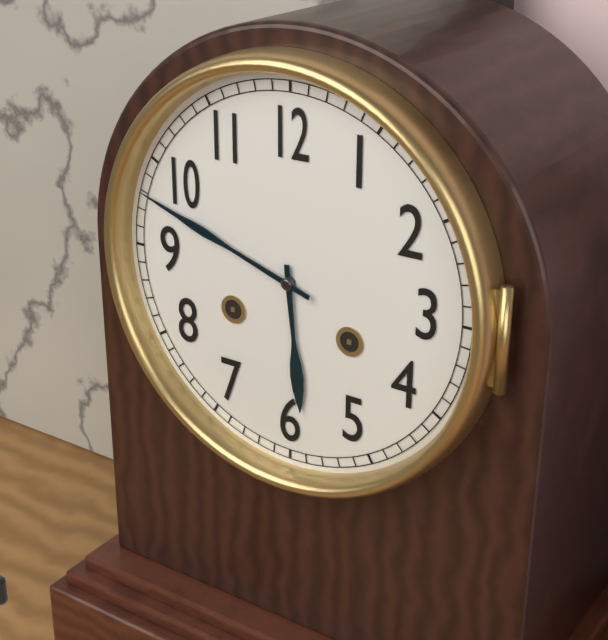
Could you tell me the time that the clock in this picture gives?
5:48
